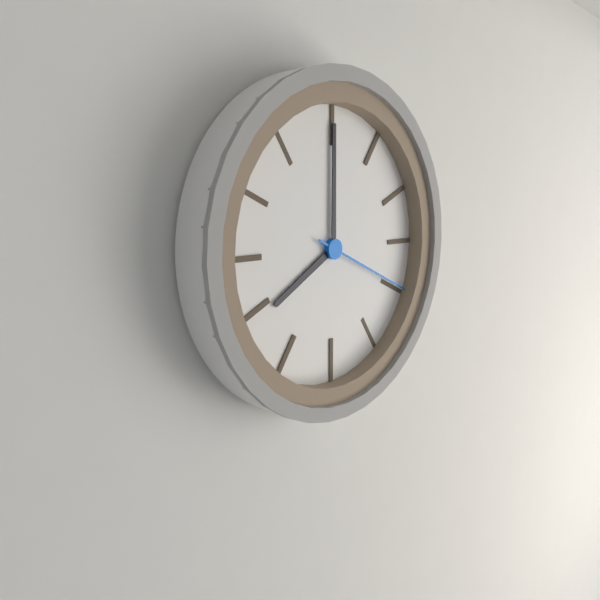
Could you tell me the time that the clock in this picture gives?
8:00:19
